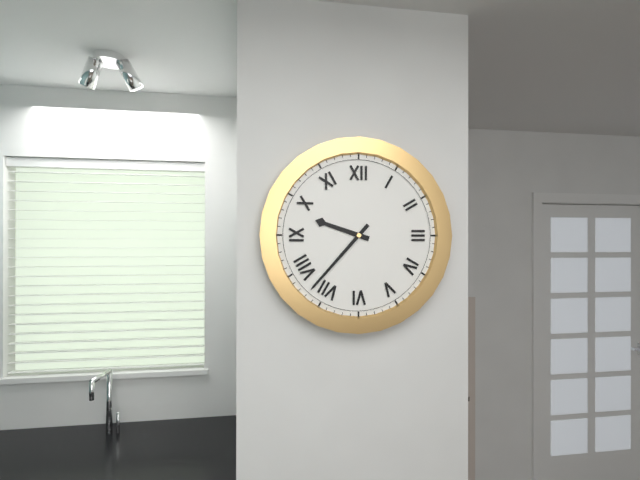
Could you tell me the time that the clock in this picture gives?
9:37
